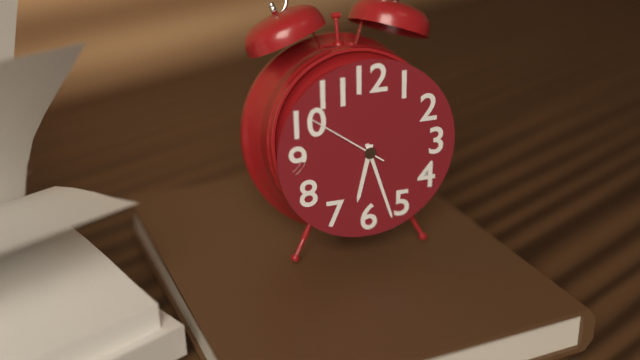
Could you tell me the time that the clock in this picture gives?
6:27:51
